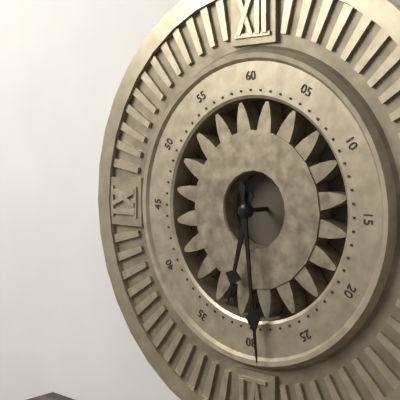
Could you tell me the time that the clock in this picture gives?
6:29
